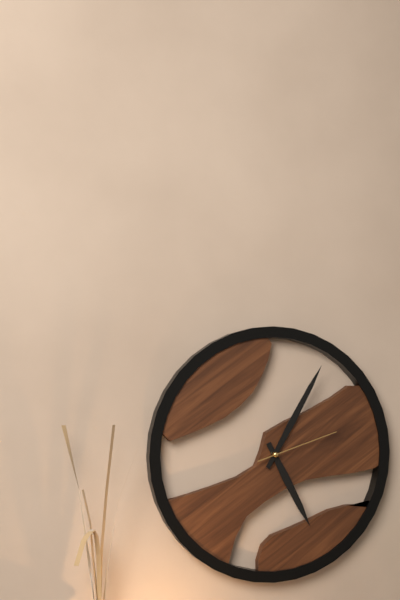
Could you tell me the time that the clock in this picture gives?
5:05:12
